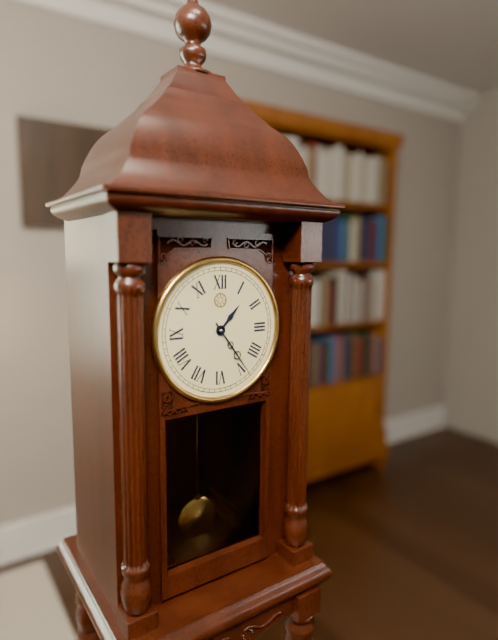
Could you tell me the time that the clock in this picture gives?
1:24
